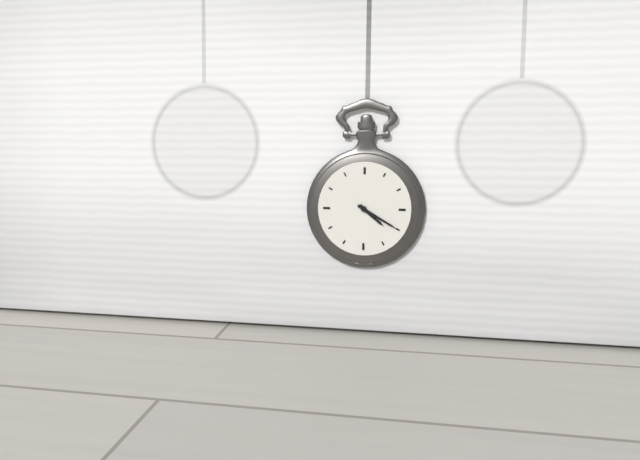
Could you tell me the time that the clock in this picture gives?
4:20
